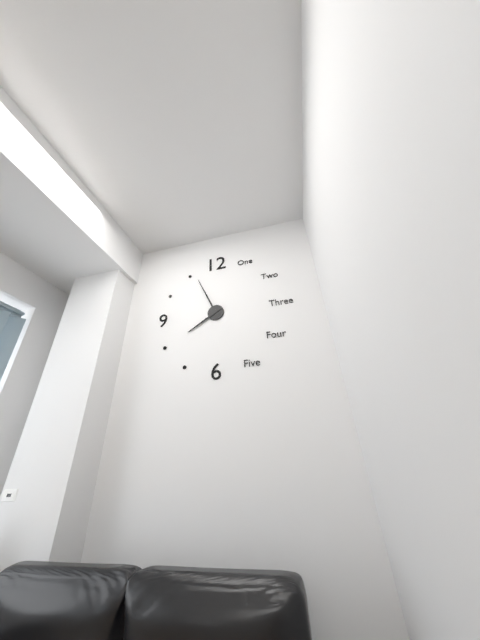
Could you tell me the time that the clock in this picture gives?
7:56
